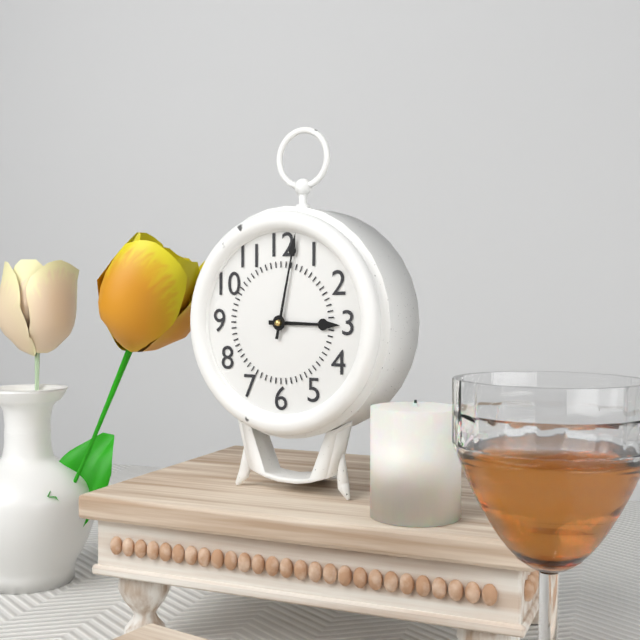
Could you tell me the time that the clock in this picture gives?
3:02
